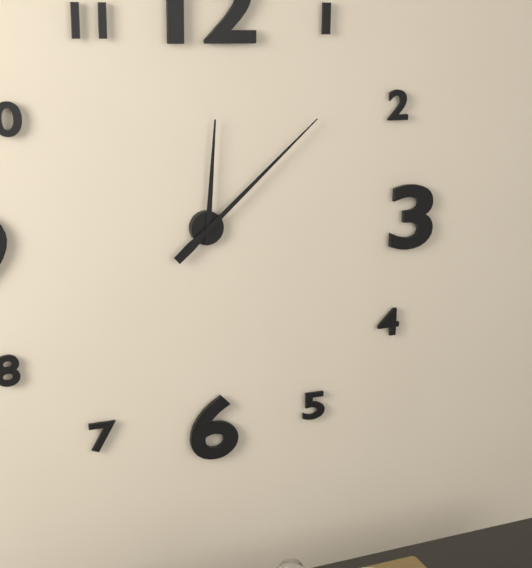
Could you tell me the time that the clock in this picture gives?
12:08
